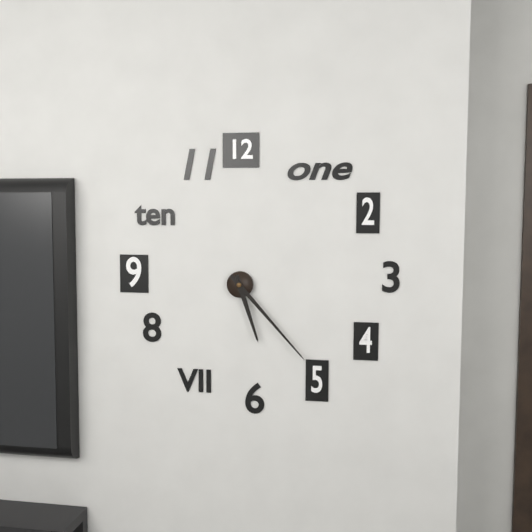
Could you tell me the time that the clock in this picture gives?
5:23
